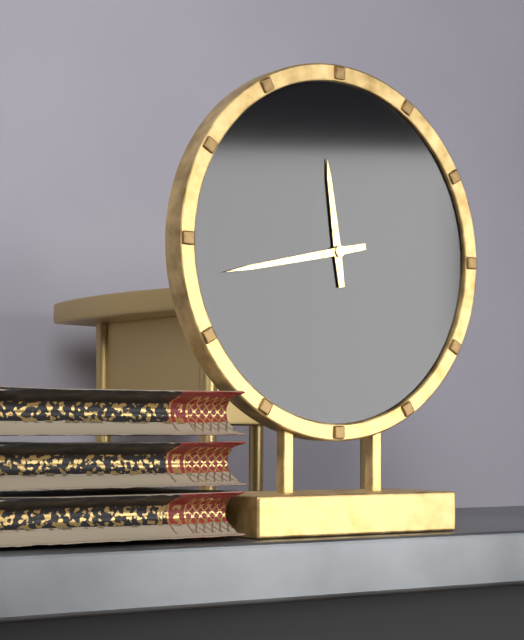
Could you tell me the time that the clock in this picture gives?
11:43
